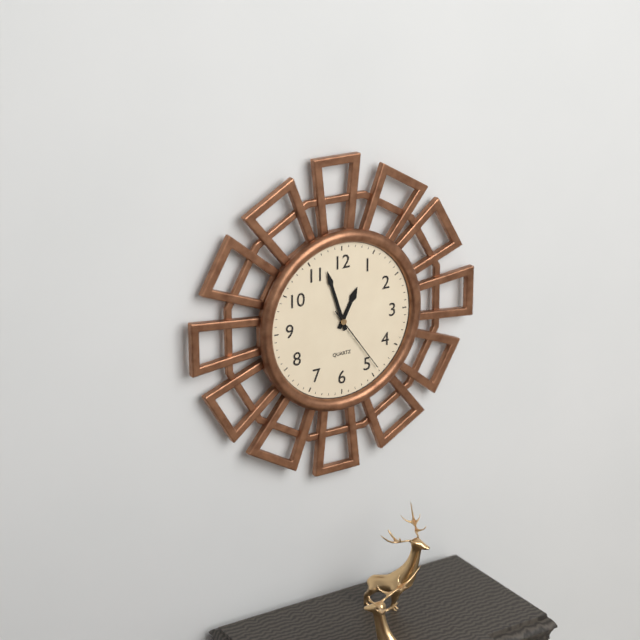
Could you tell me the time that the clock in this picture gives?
12:57:24
